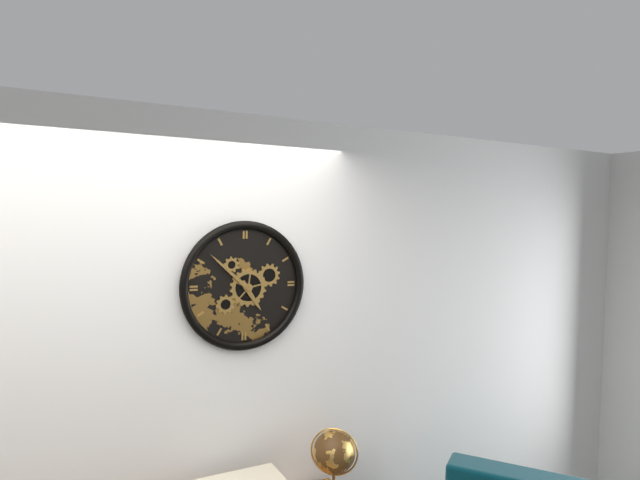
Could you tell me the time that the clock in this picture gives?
4:52
